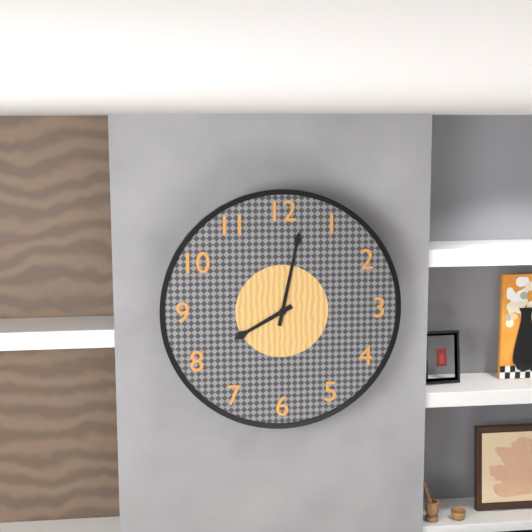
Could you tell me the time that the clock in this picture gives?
8:02
